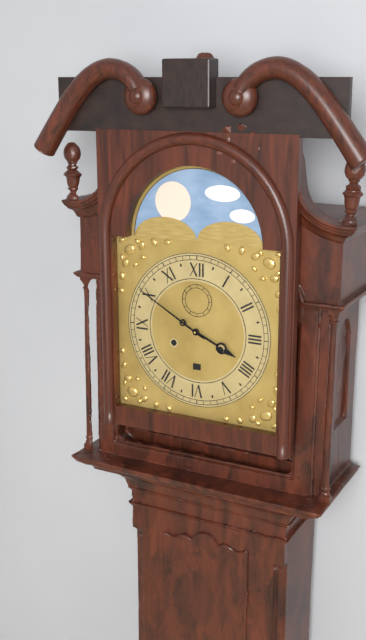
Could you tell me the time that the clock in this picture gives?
3:50
